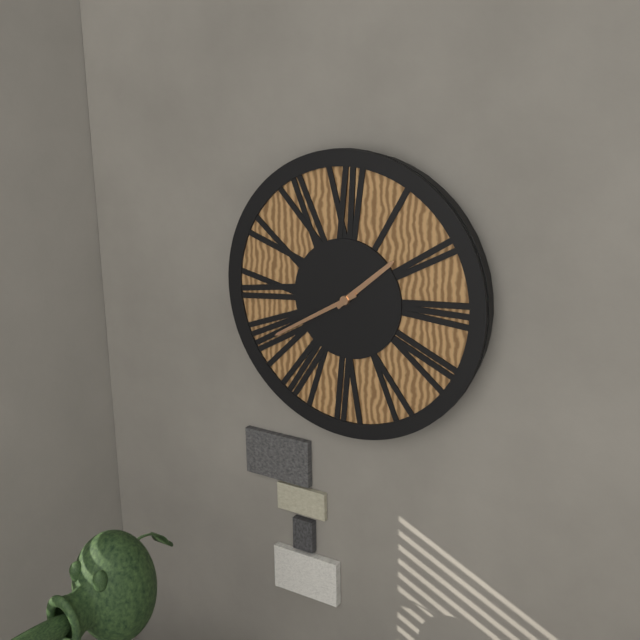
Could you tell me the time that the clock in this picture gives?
1:40
